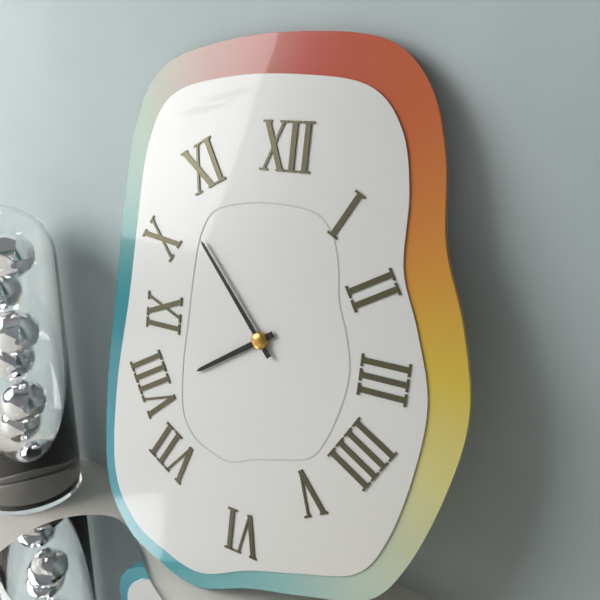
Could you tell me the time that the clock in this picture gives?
7:53
